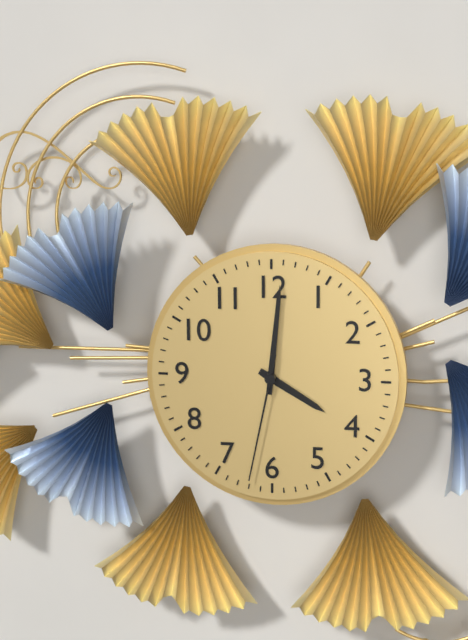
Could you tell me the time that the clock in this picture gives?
4:01:32
